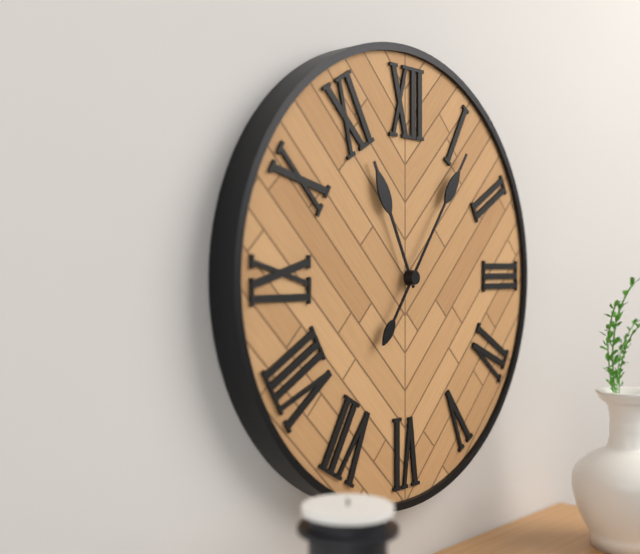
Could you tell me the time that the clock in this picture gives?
11:06
